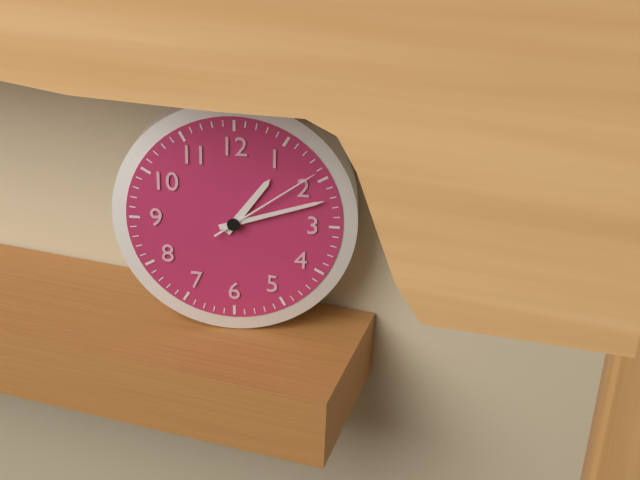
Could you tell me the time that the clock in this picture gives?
1:12:09
